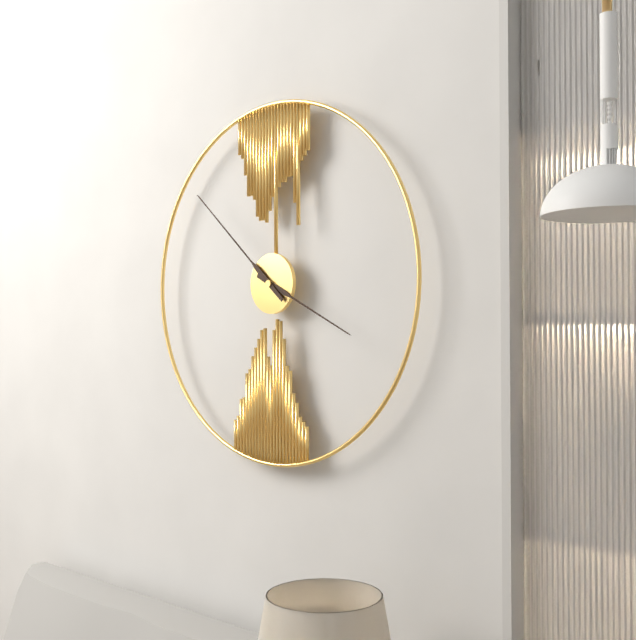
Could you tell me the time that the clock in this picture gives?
3:52
